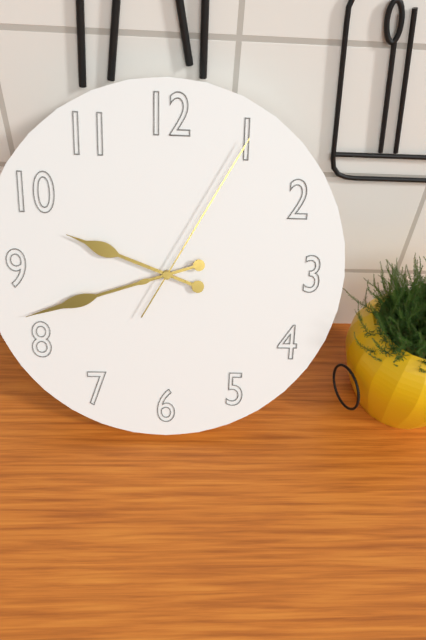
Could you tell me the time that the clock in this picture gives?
9:42:05
